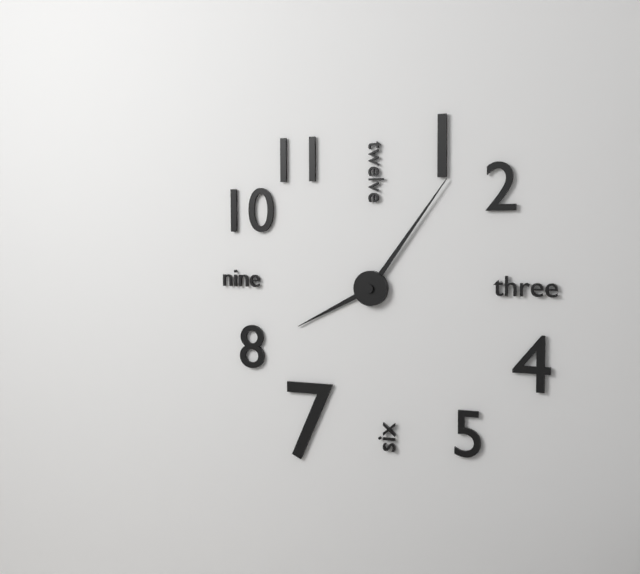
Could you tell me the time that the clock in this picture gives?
8:06
